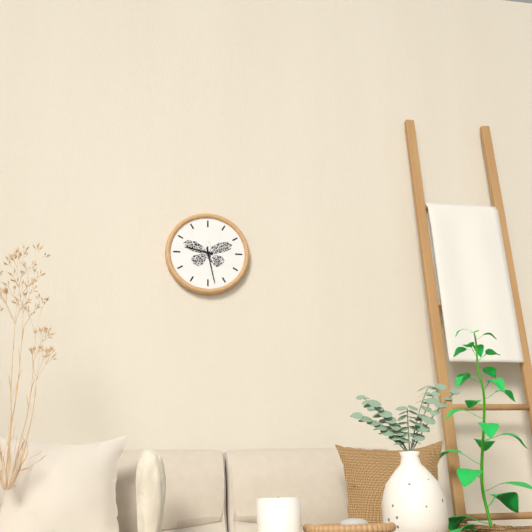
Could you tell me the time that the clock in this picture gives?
9:28
